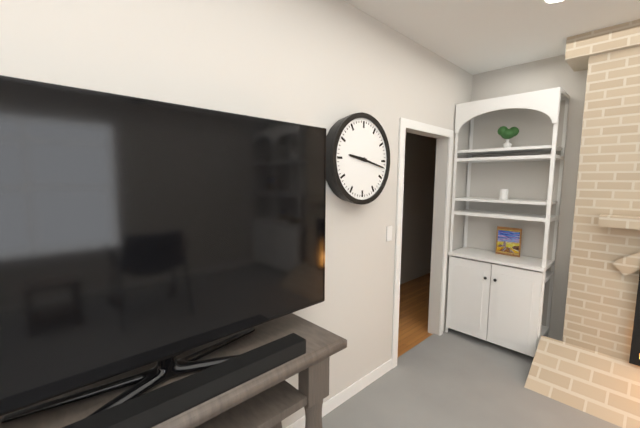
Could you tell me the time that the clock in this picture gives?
9:17
